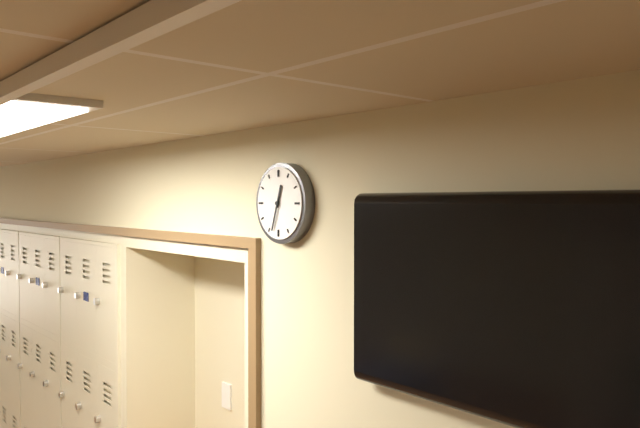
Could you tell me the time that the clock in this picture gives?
12:33
